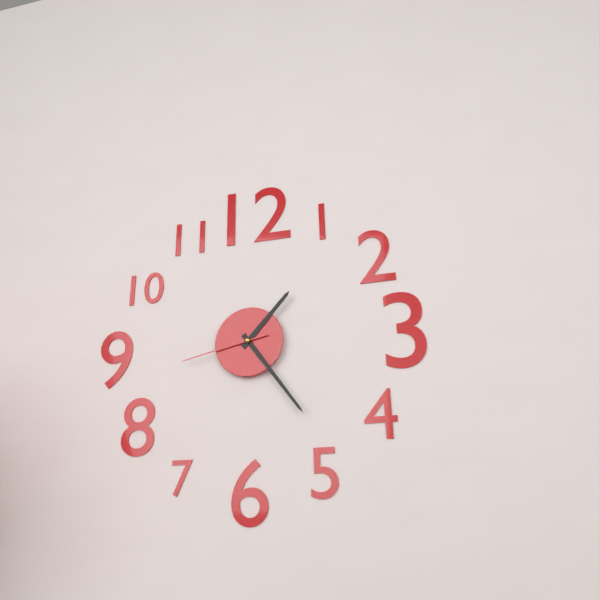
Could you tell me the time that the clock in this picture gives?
1:24:43
